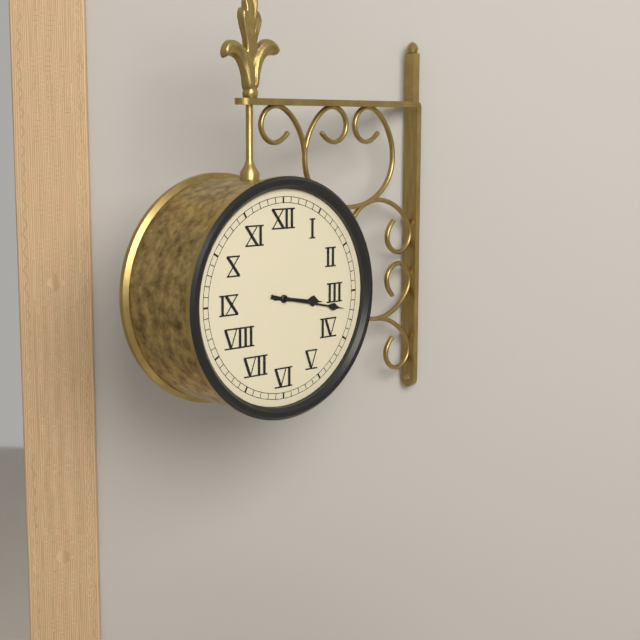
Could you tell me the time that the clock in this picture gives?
3:17
